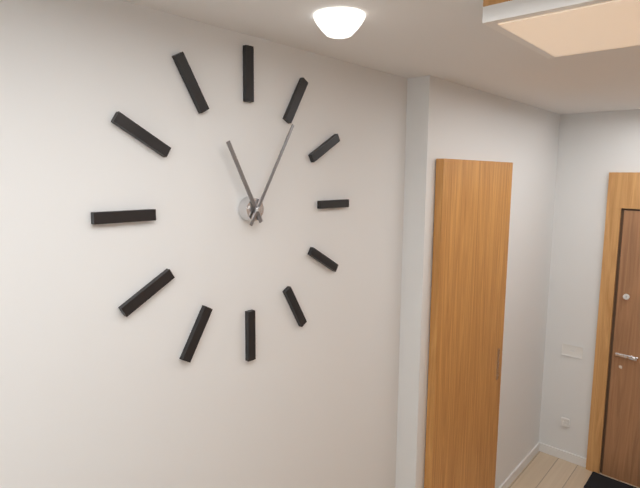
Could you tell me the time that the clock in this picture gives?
11:05
